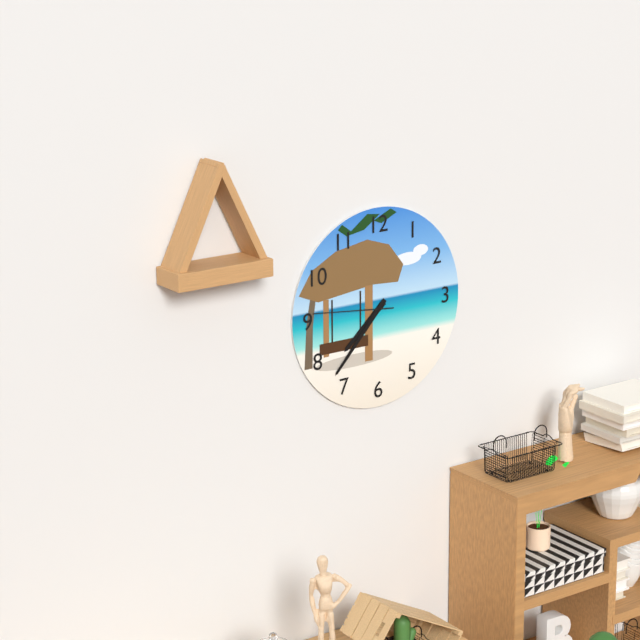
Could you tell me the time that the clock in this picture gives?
7:37:46
